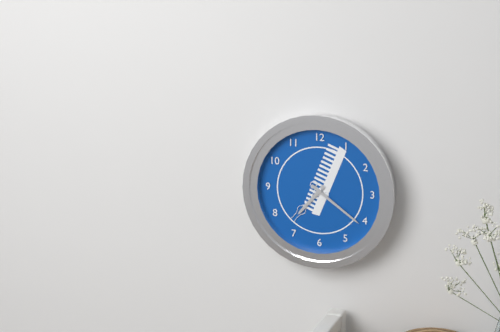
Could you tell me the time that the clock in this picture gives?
7:21
